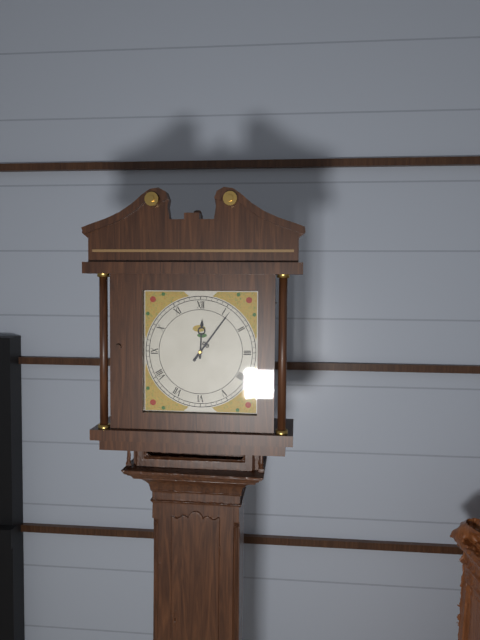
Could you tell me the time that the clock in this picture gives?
12:06
